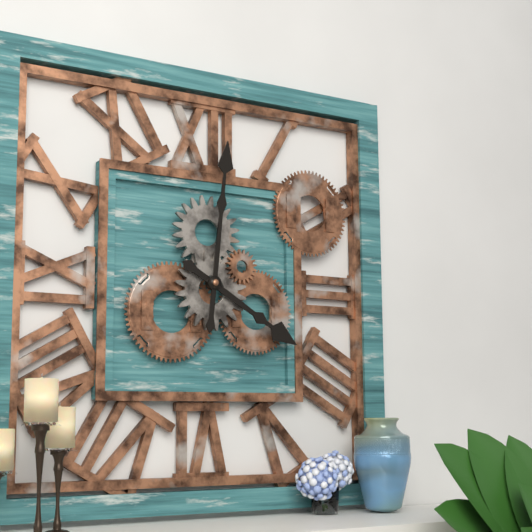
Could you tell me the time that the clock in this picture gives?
4:01
